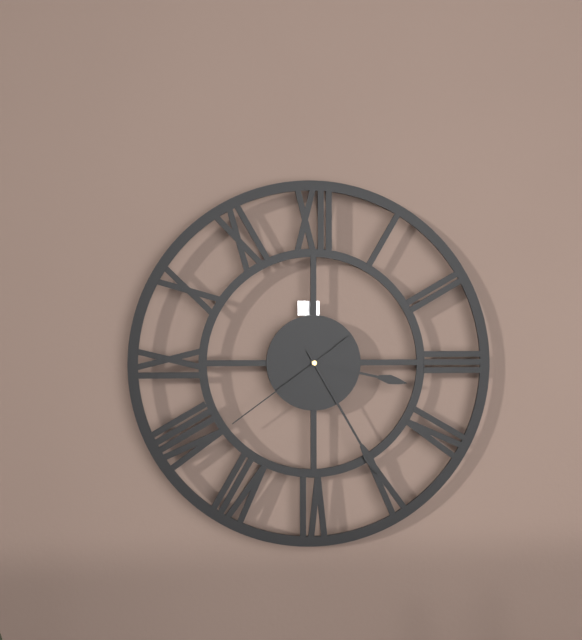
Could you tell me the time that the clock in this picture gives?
3:25:39
